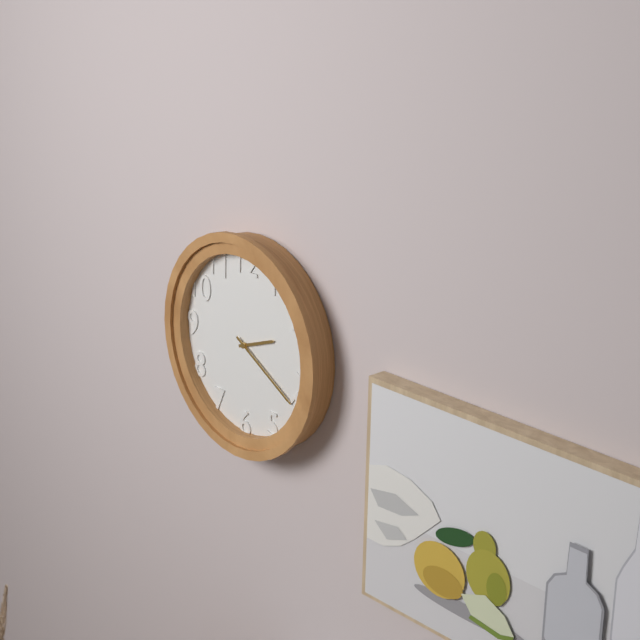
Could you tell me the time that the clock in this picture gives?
2:20
